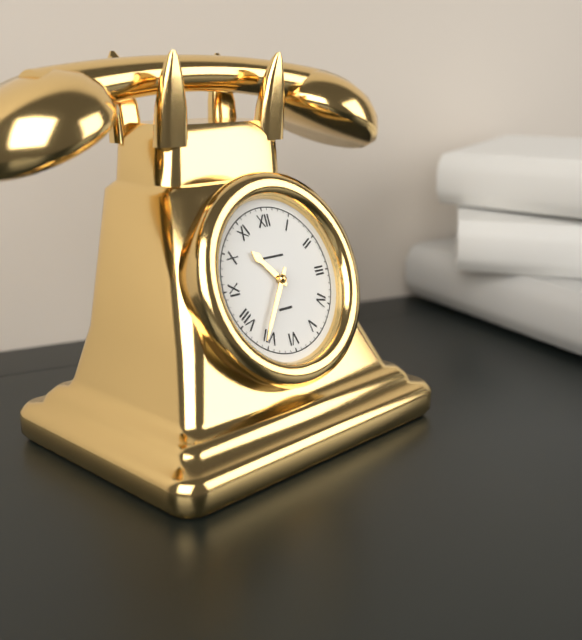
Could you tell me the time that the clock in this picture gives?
10:36
